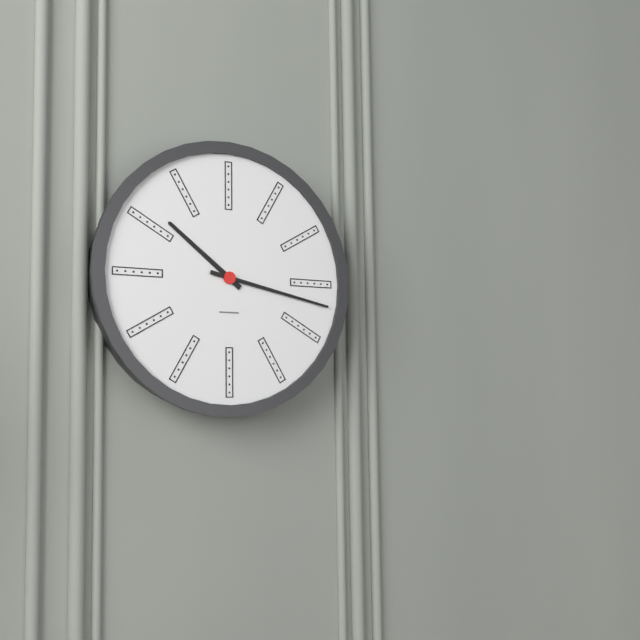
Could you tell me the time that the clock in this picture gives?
10:17
